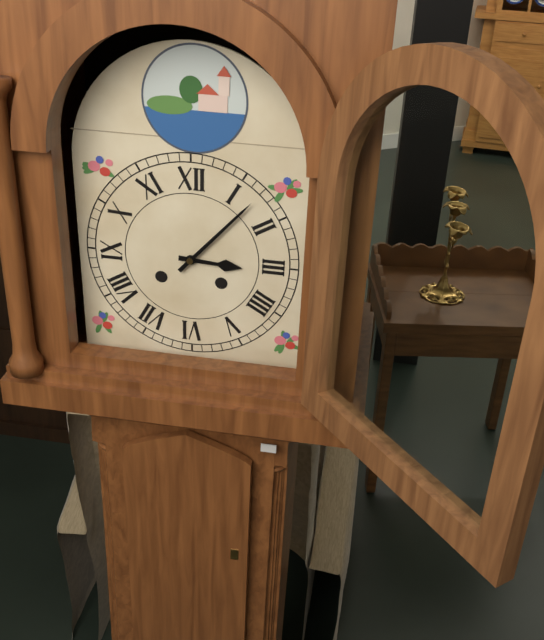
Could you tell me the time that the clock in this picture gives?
3:07
